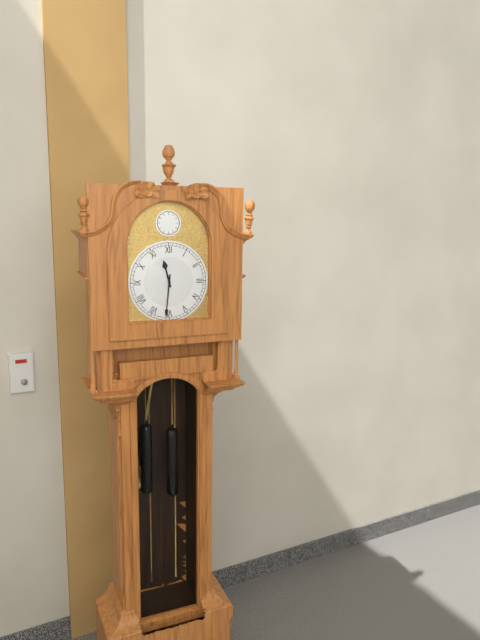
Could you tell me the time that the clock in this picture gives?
11:31
